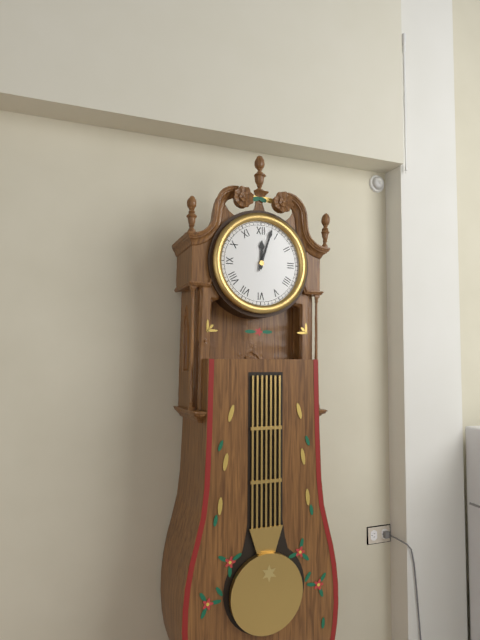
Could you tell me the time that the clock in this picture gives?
12:03
